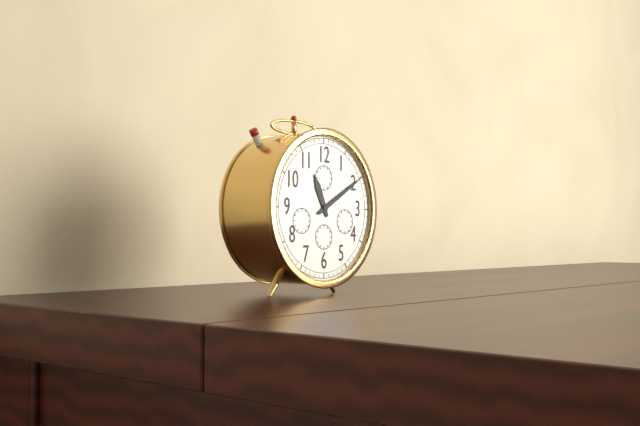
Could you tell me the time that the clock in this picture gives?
11:10
